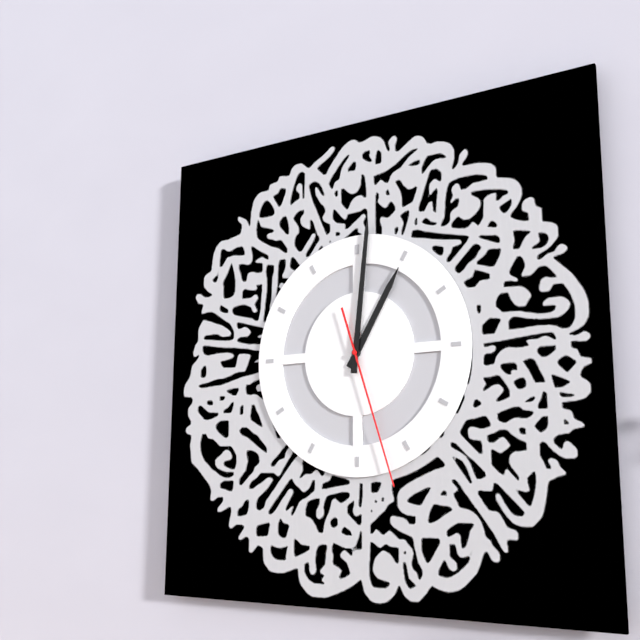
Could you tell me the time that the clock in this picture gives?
1:01:27
